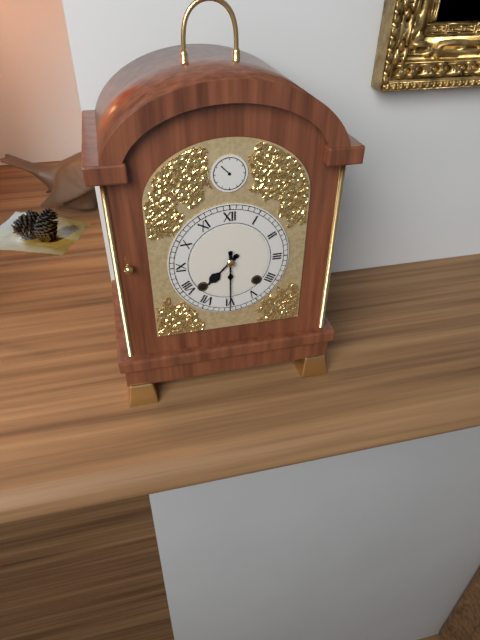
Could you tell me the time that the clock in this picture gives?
7:30
